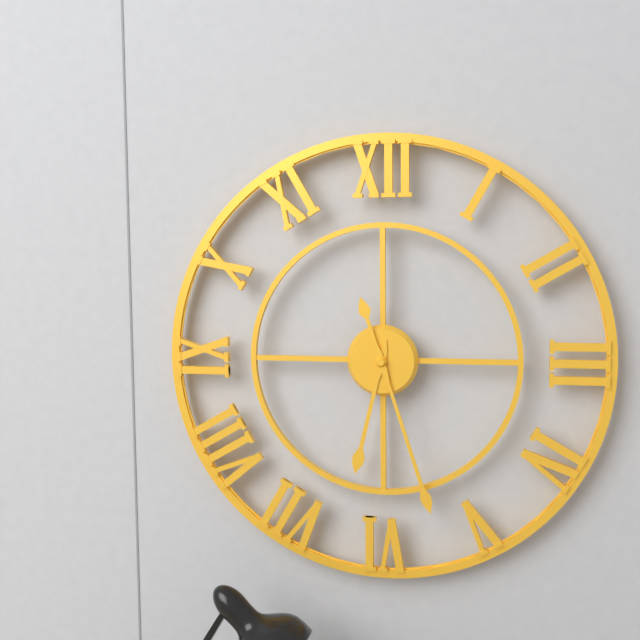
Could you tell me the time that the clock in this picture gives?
6:27
